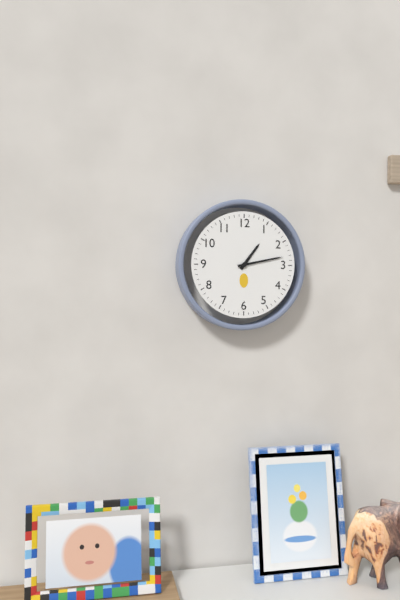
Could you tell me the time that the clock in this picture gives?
1:13
